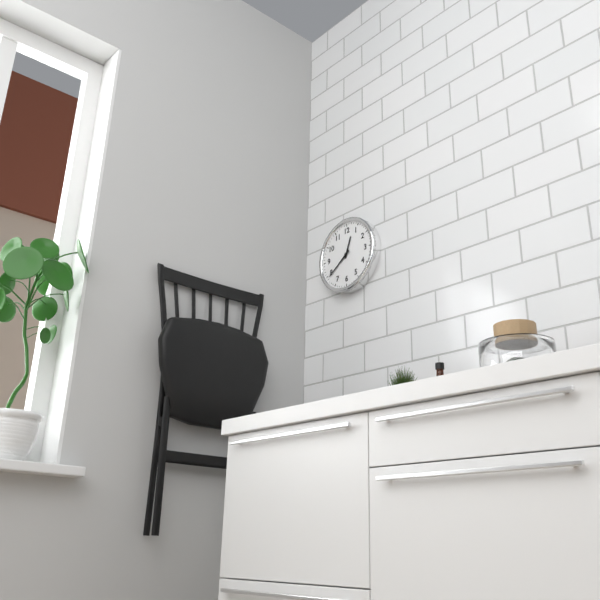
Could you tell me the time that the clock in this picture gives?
12:39
